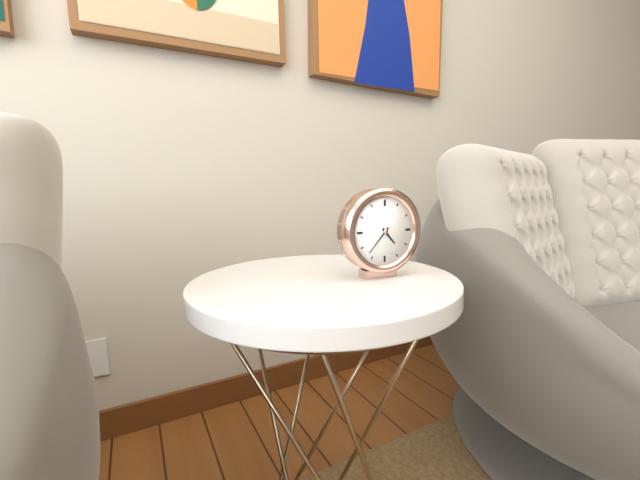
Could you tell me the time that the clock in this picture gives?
4:37
